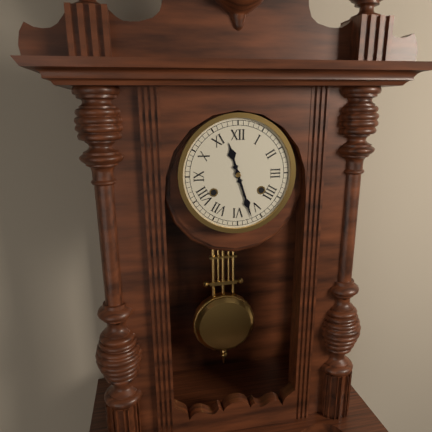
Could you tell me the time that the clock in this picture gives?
11:27
